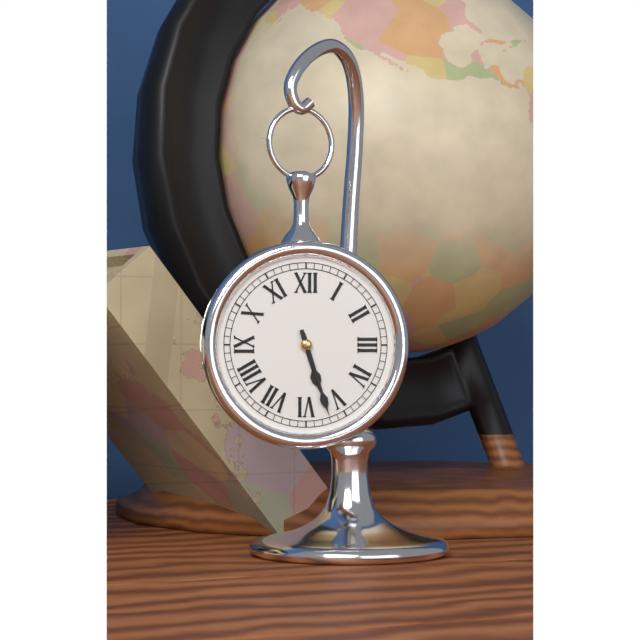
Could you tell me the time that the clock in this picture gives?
5:27
